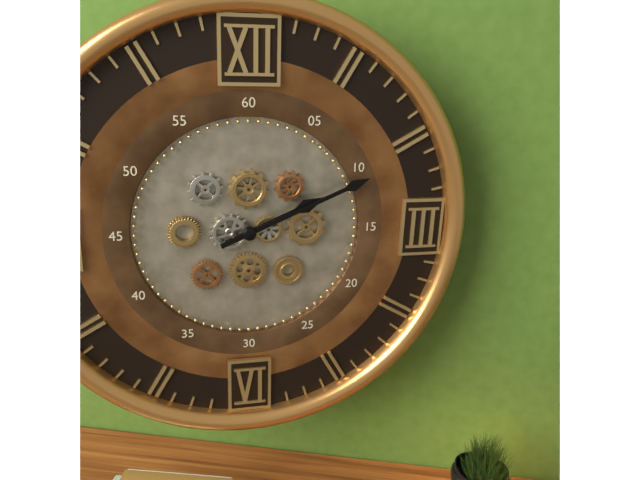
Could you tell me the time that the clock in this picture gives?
2:11
